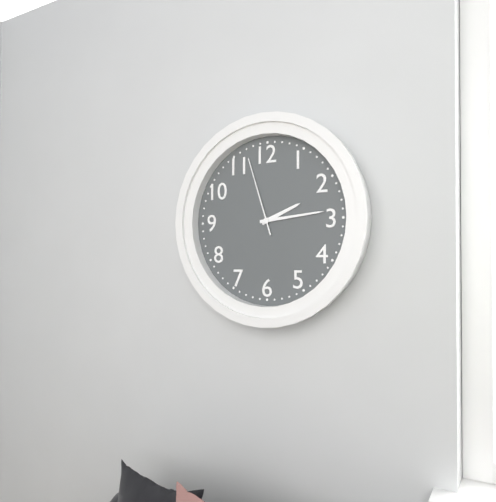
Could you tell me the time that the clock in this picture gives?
2:14:57
